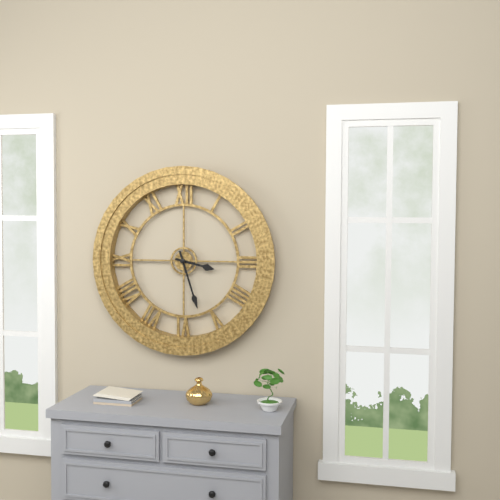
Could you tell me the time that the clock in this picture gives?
3:27
